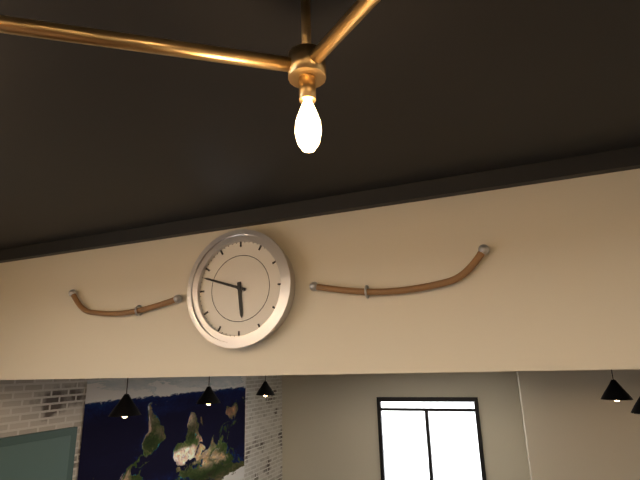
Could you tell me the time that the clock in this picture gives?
5:48
